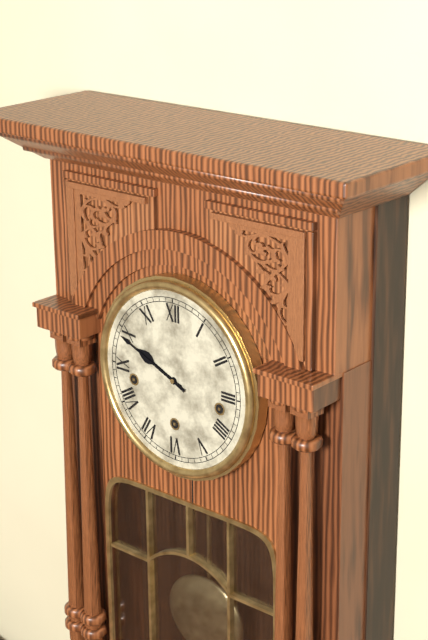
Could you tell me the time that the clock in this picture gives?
9:49
